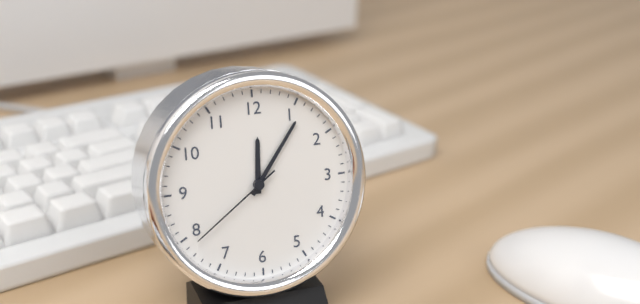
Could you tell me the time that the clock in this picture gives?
12:06:39
